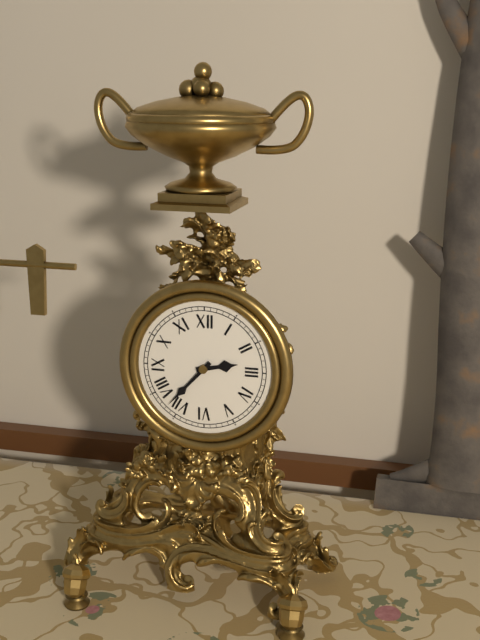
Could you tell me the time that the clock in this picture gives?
2:37
